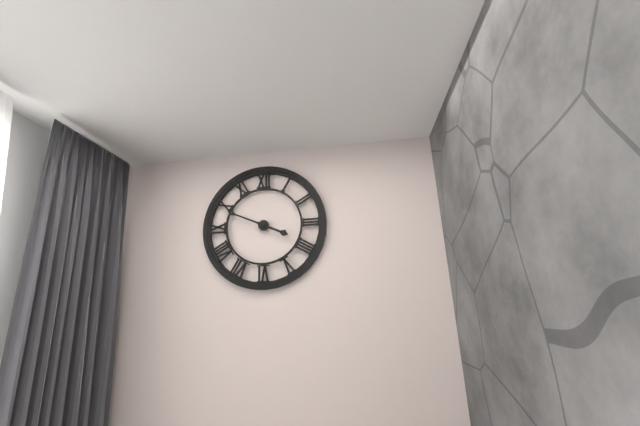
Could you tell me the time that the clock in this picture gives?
3:49
